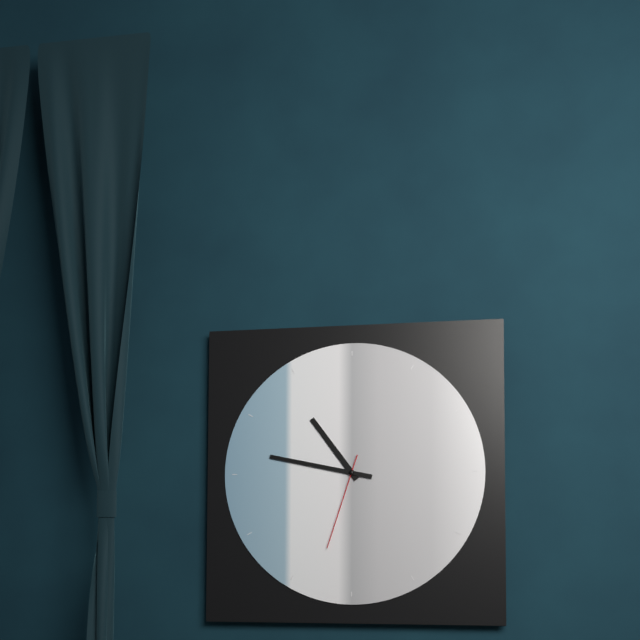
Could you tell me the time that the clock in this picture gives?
10:47:33
